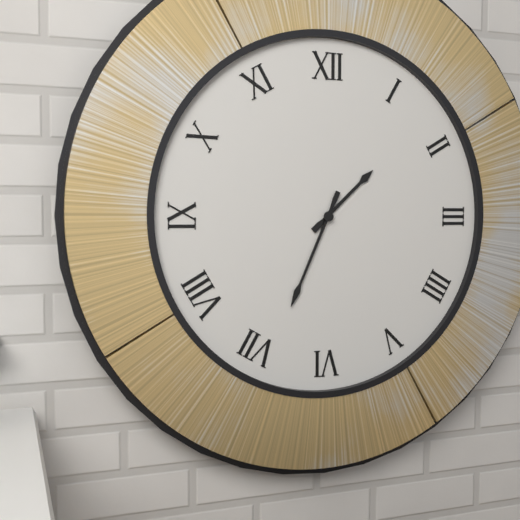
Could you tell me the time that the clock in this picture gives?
1:34
